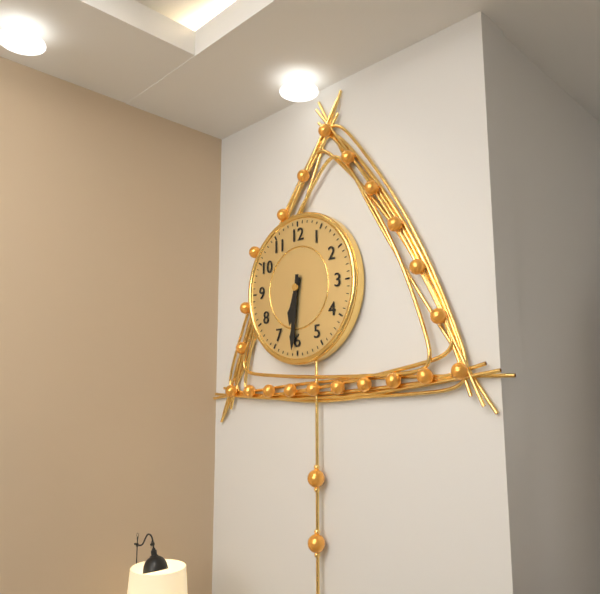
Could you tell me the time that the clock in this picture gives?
6:31
